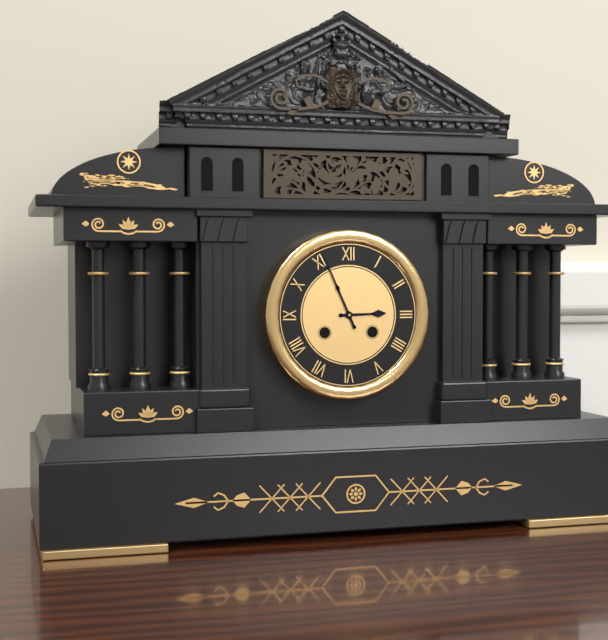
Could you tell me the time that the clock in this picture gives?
2:56
